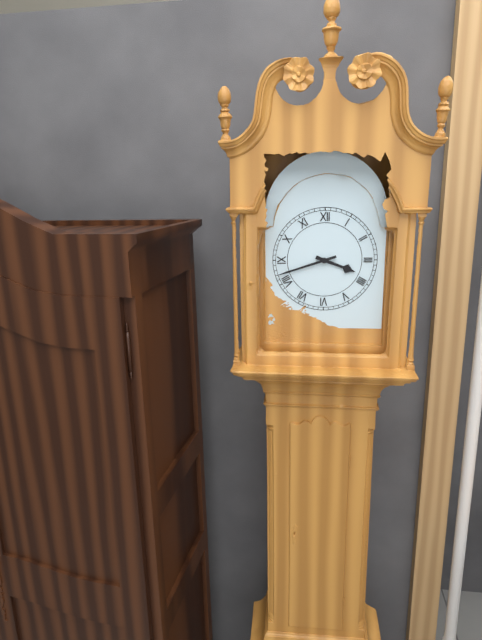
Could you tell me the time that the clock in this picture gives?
3:42
